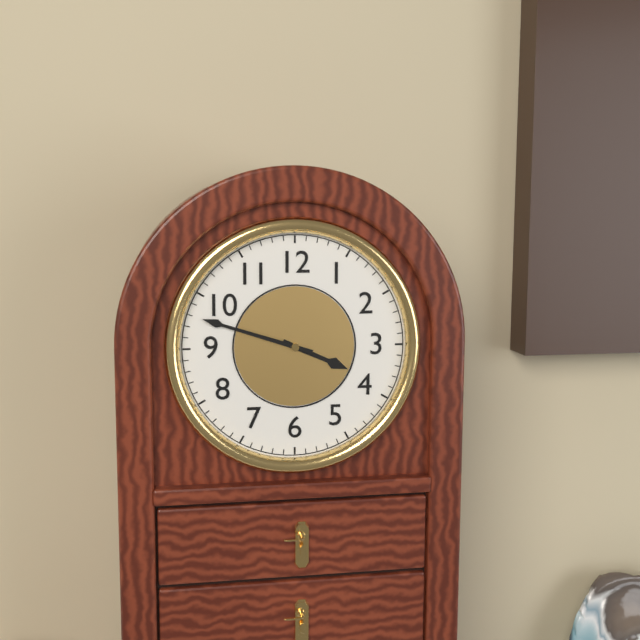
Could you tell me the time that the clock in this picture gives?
3:48
